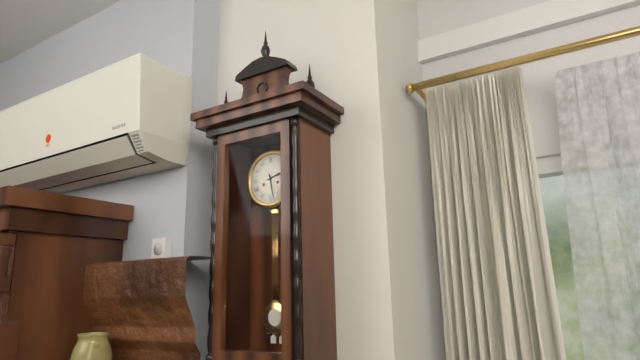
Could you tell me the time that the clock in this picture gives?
2:28
